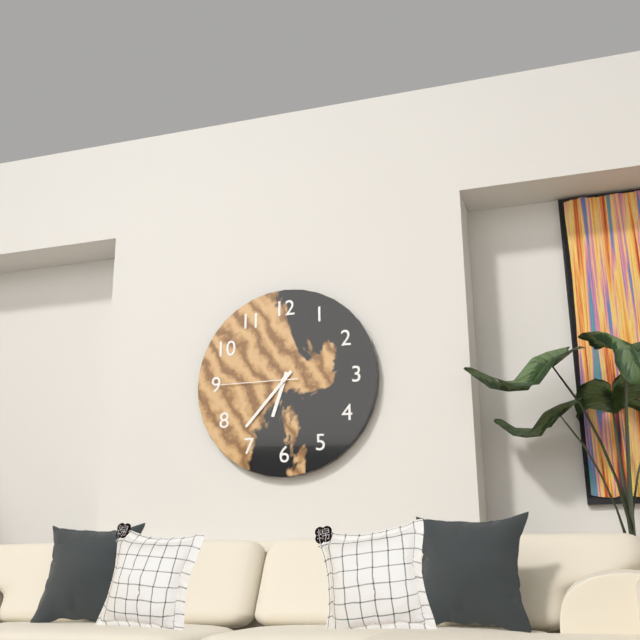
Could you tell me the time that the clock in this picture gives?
6:37:45
